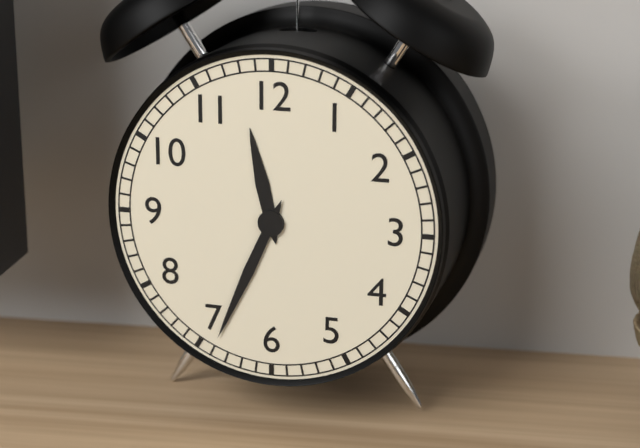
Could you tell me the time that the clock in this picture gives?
11:34
